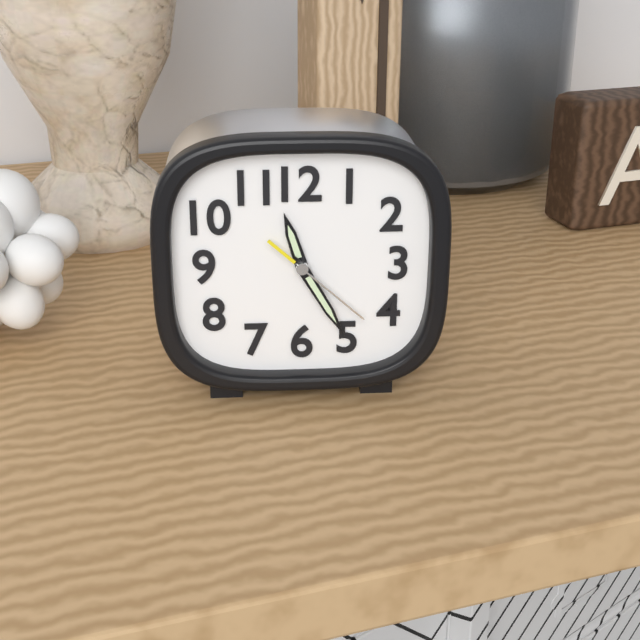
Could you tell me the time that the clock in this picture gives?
11:25:22
